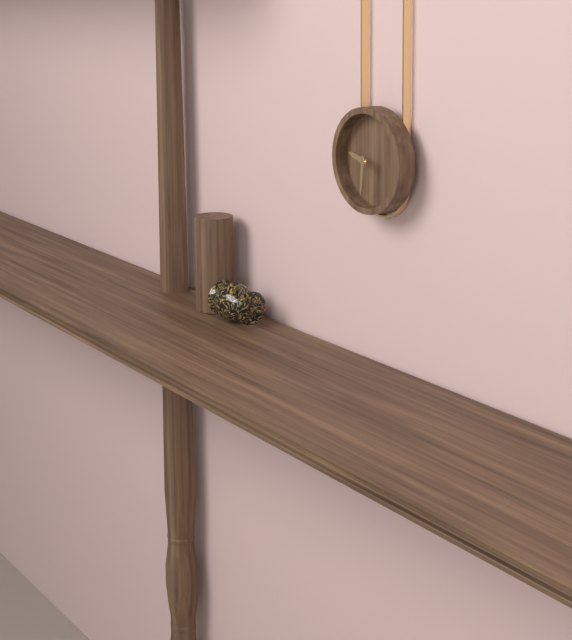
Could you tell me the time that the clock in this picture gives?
9:31
